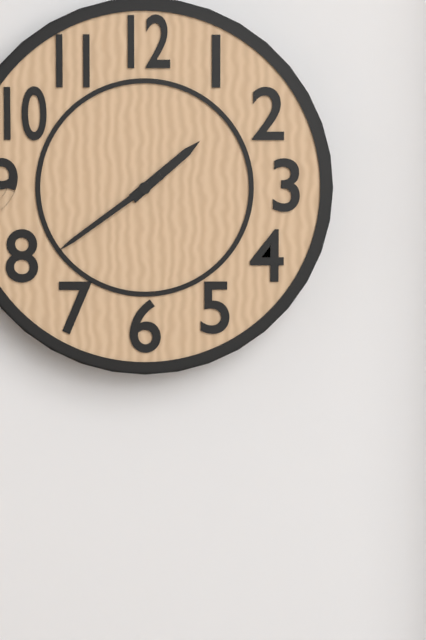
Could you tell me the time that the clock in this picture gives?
1:39
